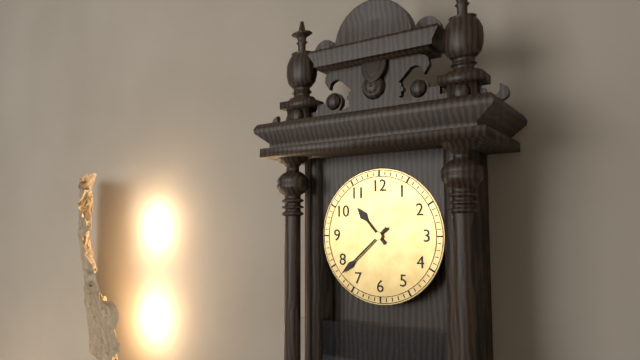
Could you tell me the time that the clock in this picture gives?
10:38
